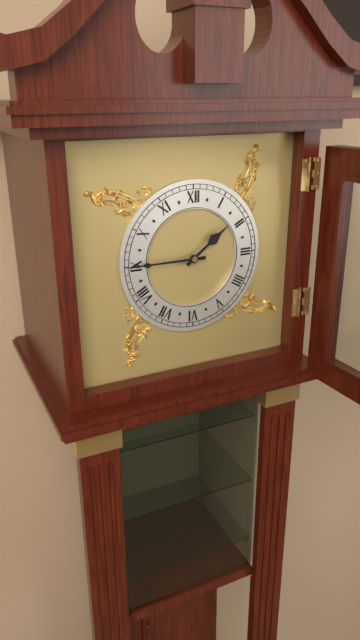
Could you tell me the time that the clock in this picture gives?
1:45
